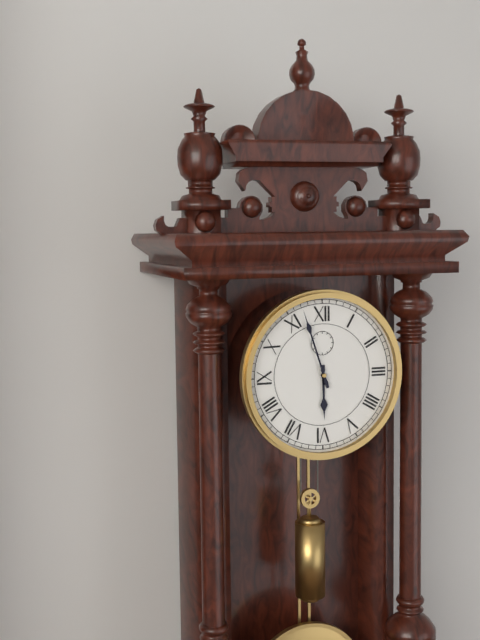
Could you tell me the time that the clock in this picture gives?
5:57
